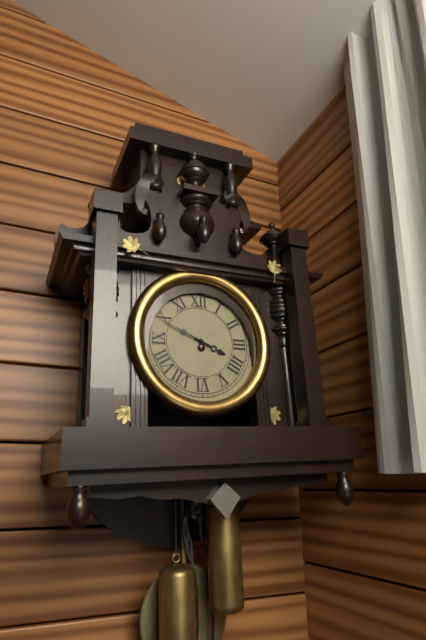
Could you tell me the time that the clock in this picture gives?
3:49
